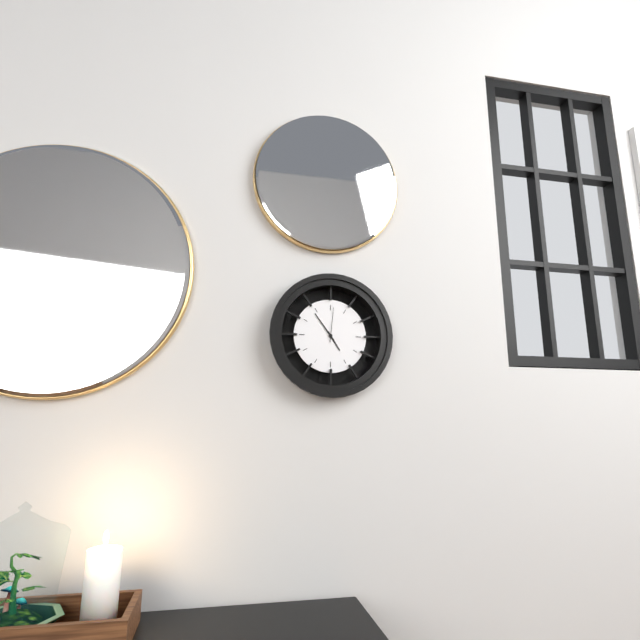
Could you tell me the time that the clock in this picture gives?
4:54
